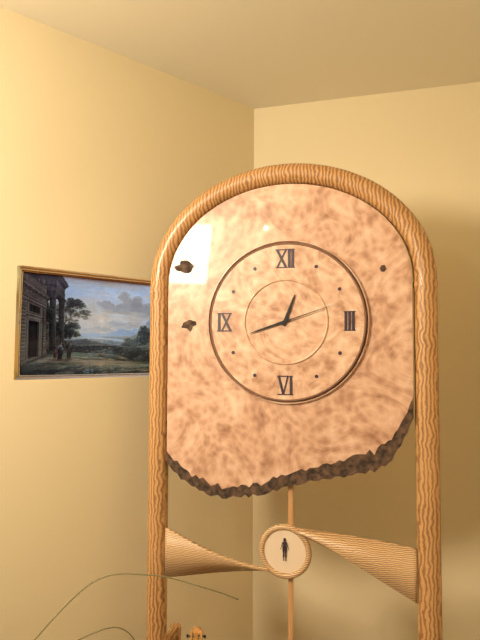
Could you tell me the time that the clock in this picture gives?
12:42:12
